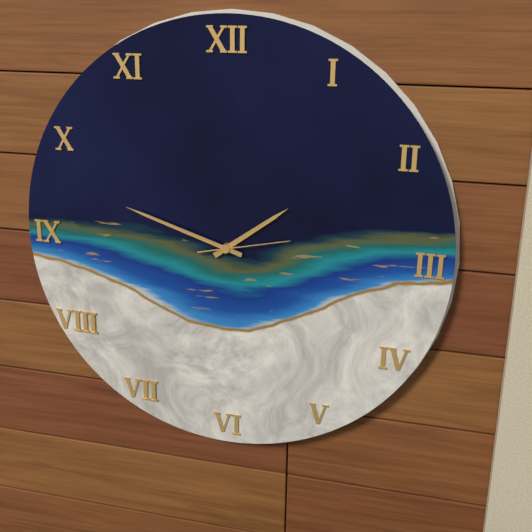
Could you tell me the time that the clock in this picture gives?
1:48:13
